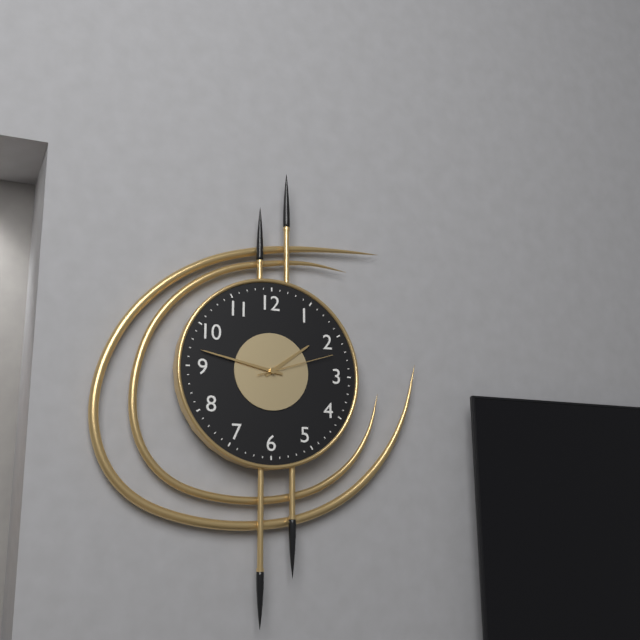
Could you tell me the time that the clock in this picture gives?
1:47:12
